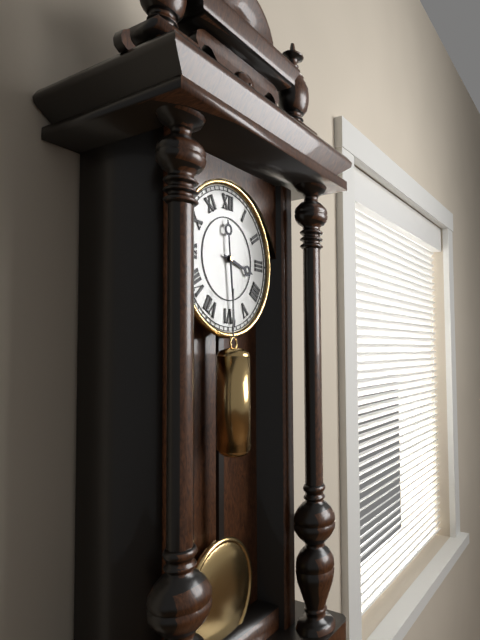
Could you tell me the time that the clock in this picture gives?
3:29
